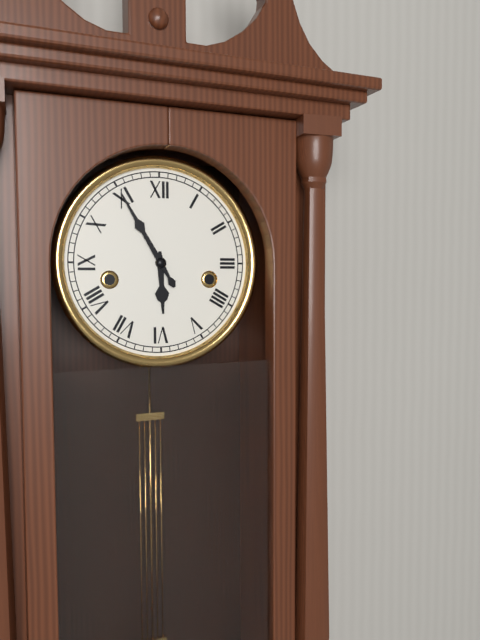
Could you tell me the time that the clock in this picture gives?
5:55
